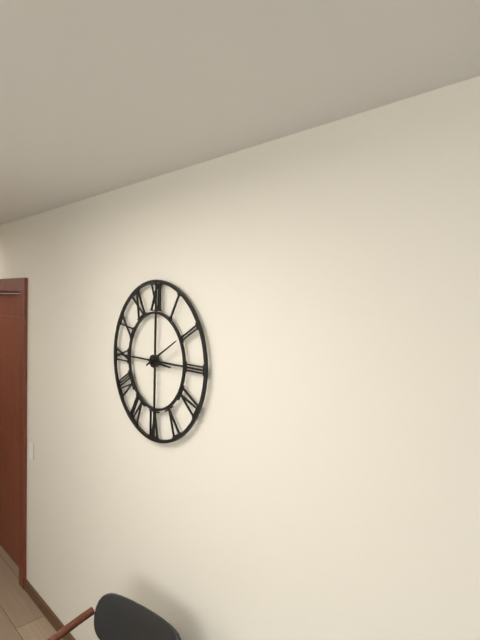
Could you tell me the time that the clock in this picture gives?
3:10
